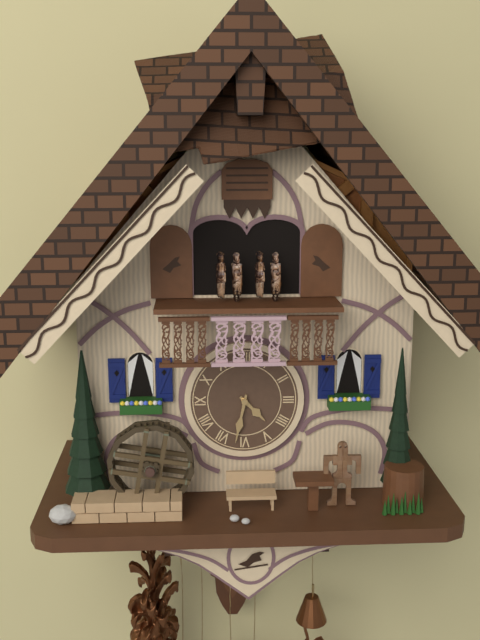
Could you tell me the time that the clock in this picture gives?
4:32
